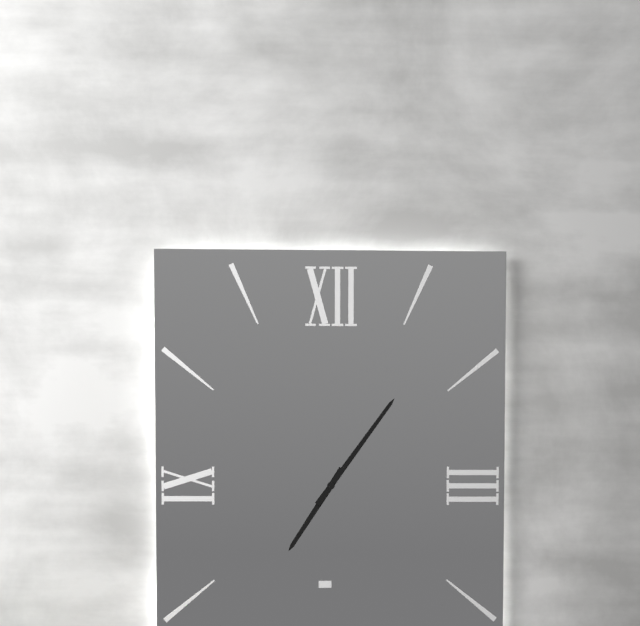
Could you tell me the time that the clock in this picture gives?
7:06
